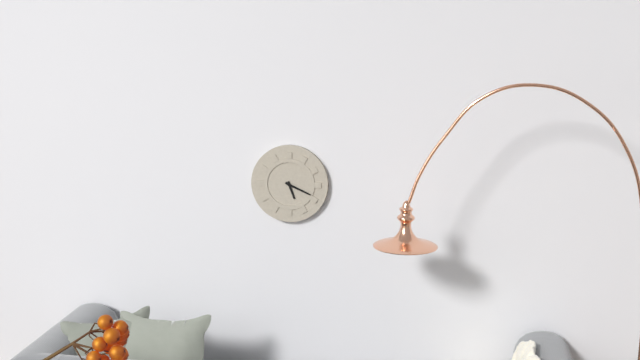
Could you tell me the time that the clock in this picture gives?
5:19
